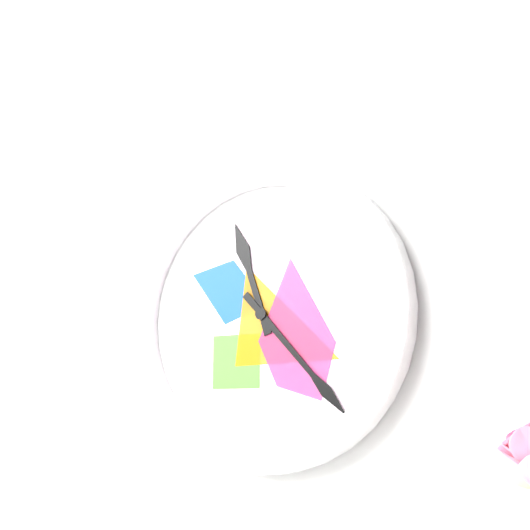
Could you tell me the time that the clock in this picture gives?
11:23
